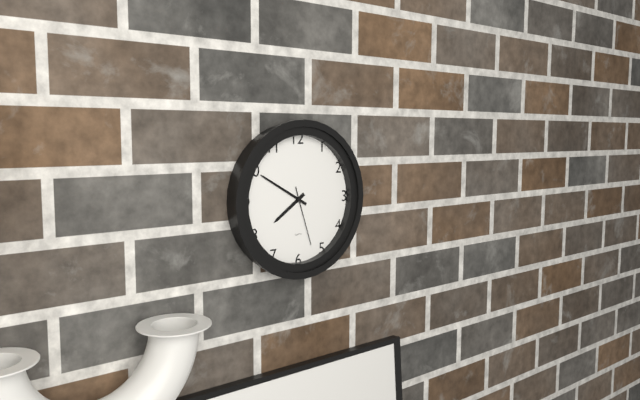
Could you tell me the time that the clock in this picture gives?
7:50:27
